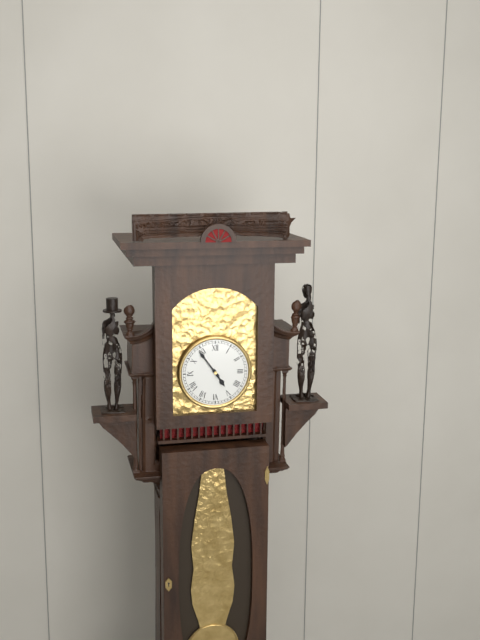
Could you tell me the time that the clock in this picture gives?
4:54
